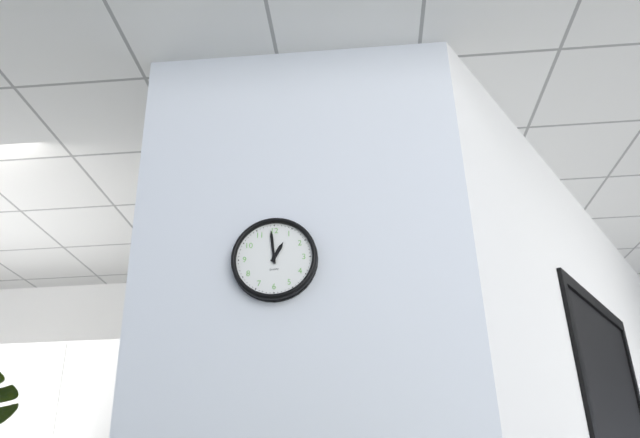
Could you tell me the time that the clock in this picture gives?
12:59
